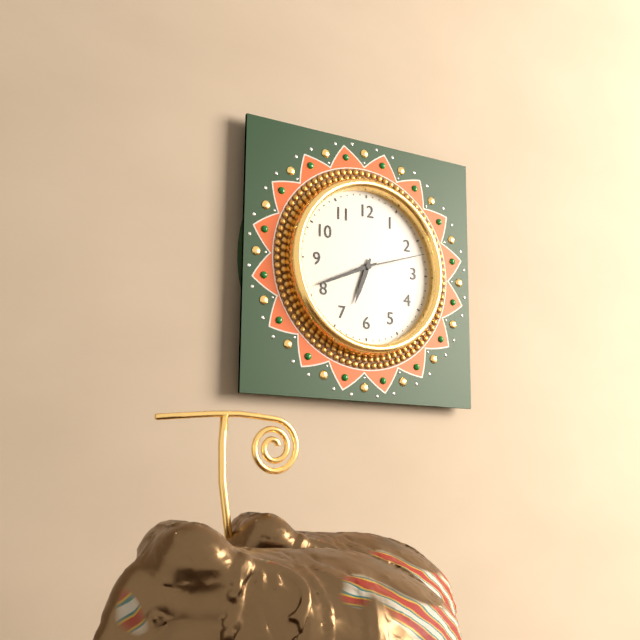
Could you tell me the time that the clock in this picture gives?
6:41:12
